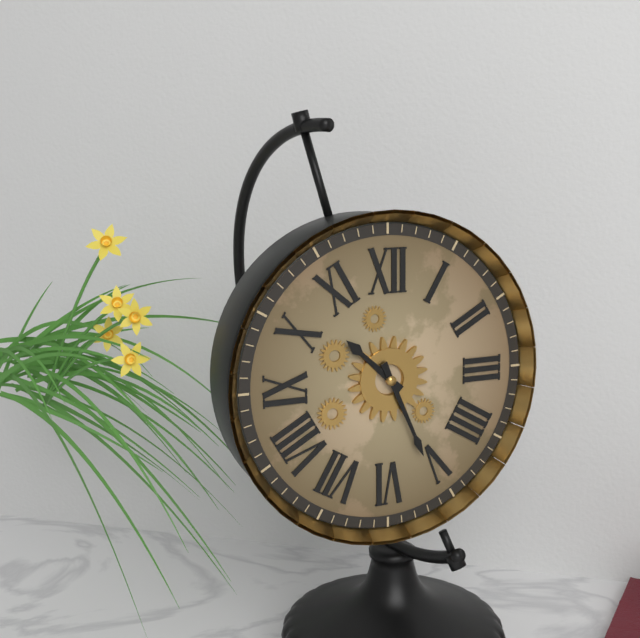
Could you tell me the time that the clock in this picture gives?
10:26
